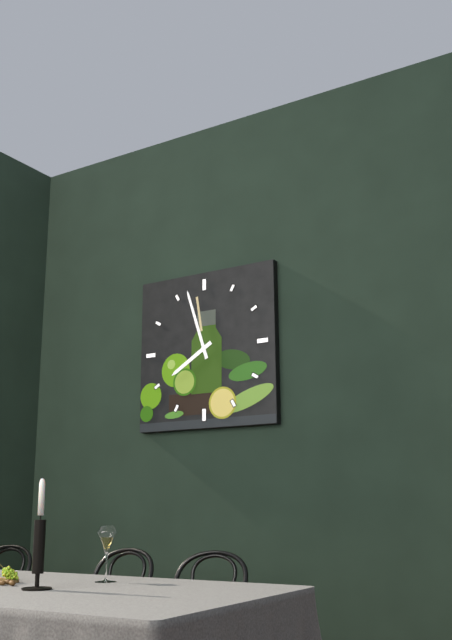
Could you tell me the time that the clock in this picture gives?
7:57
